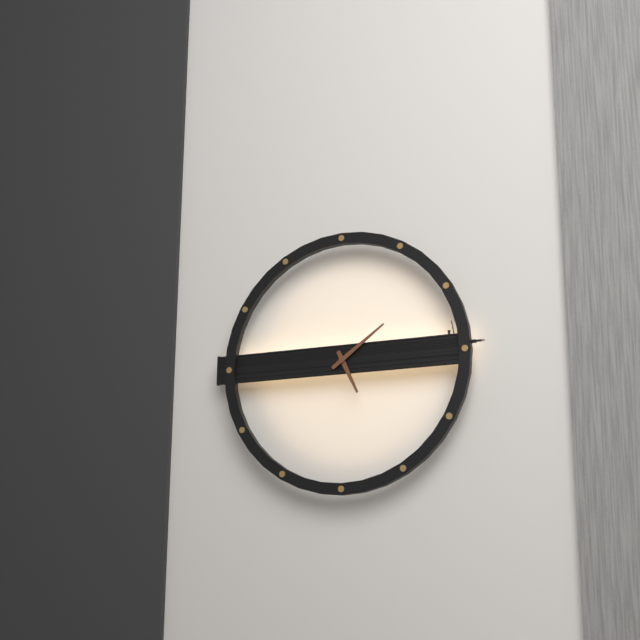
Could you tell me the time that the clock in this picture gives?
5:09
